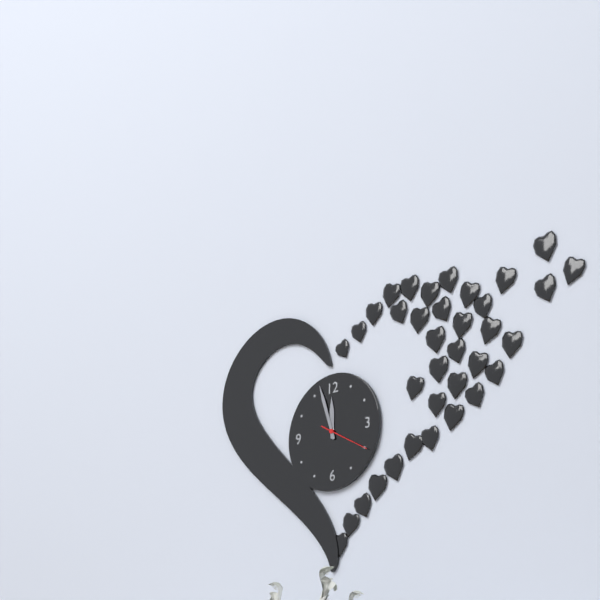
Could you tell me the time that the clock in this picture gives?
11:57
